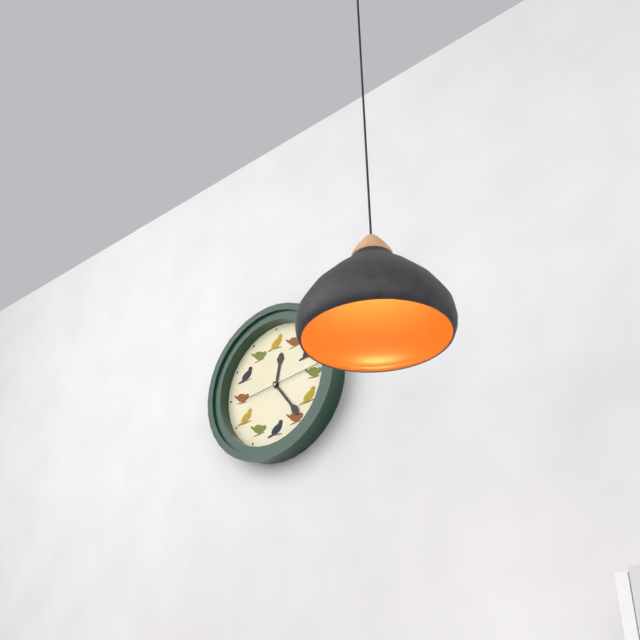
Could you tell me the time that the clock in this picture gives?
12:24:14
